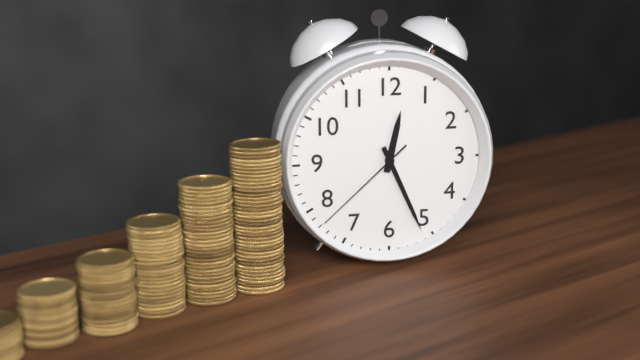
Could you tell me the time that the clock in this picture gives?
12:26:38
